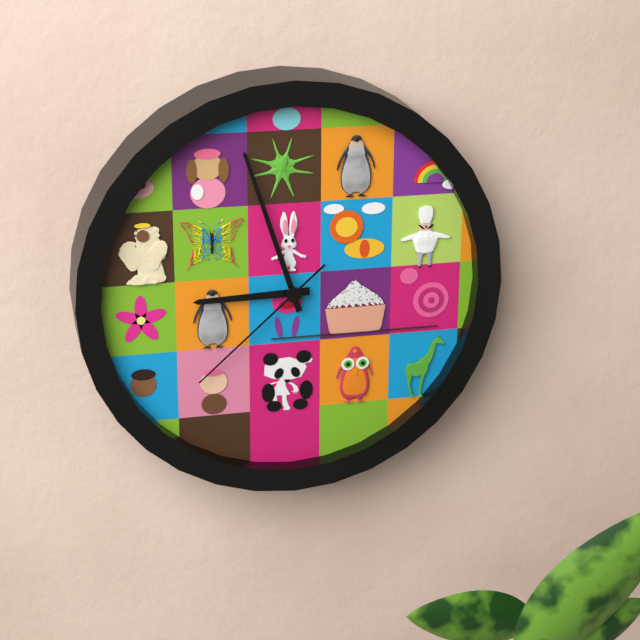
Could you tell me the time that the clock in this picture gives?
8:57:38
